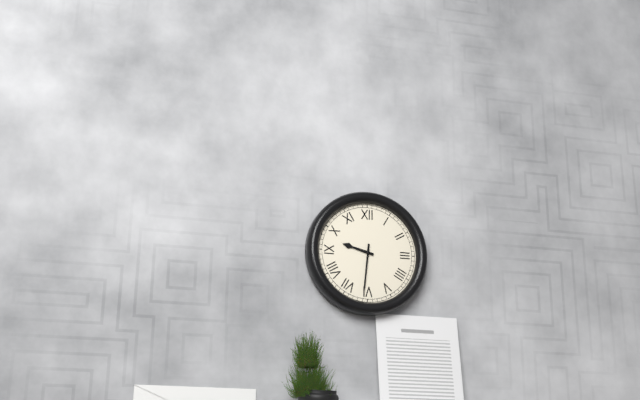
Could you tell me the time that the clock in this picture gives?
9:31
